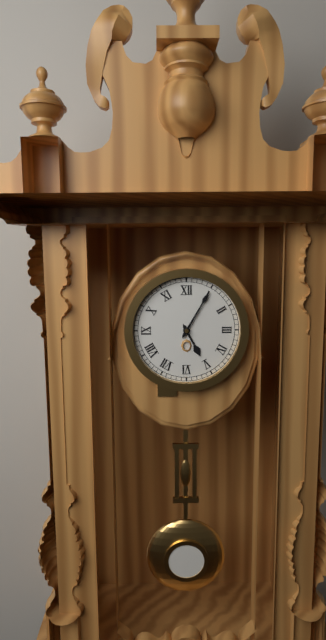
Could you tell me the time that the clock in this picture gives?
5:05
